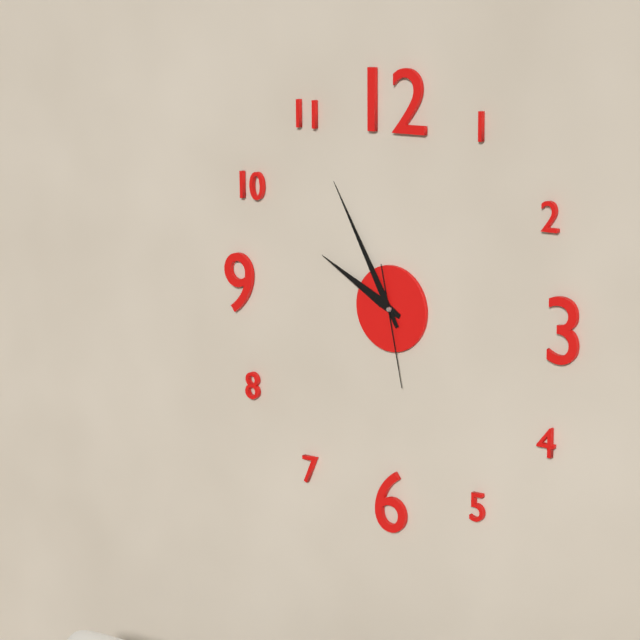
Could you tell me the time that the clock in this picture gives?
9:55:28
